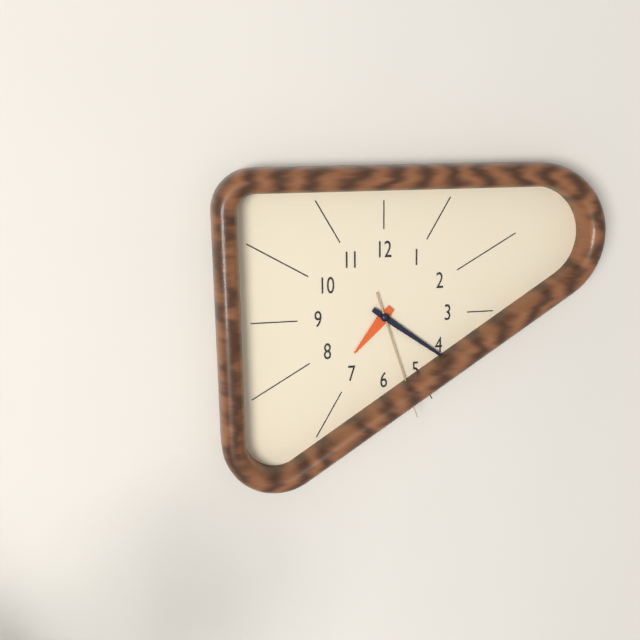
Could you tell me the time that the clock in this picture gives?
7:21:27
